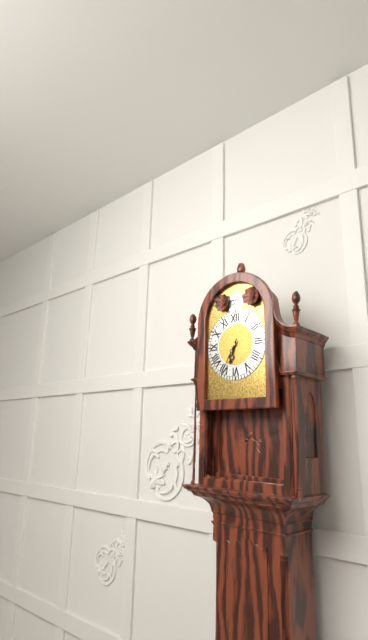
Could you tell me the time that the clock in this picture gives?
6:35
